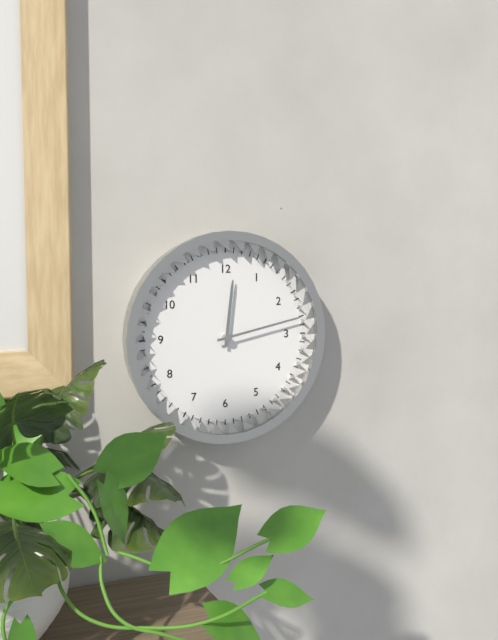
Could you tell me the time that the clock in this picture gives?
12:13
